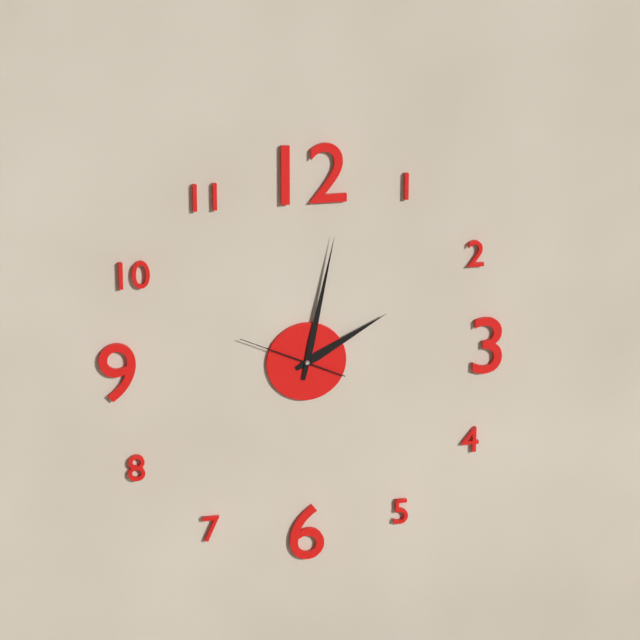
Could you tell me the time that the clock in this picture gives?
2:02:49
